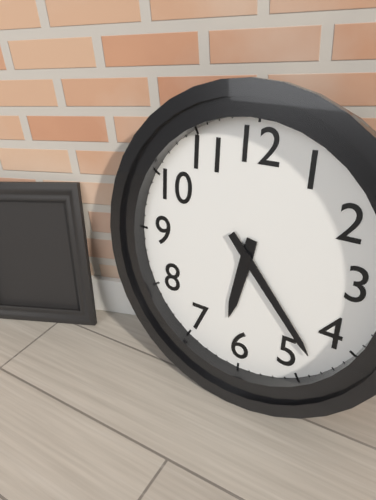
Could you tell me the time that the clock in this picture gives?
6:23
